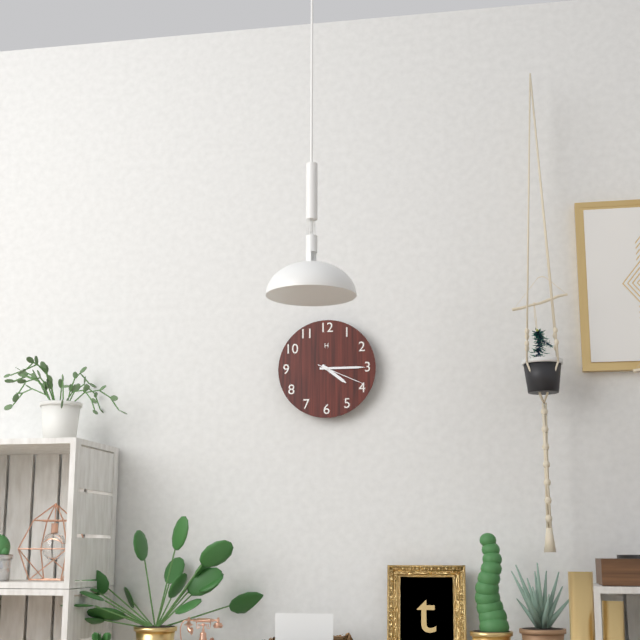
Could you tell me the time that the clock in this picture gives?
4:15:19
